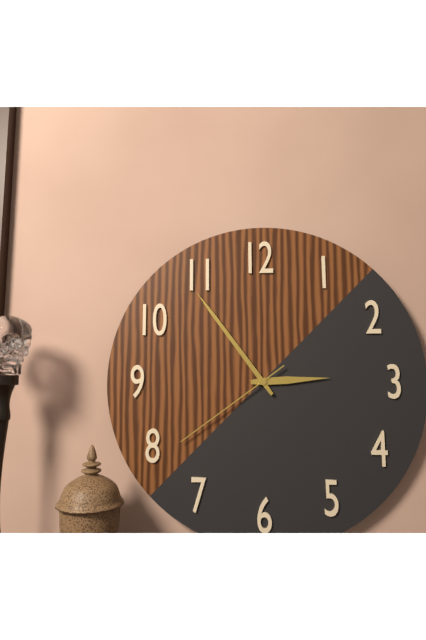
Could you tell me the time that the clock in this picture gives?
2:54:39
